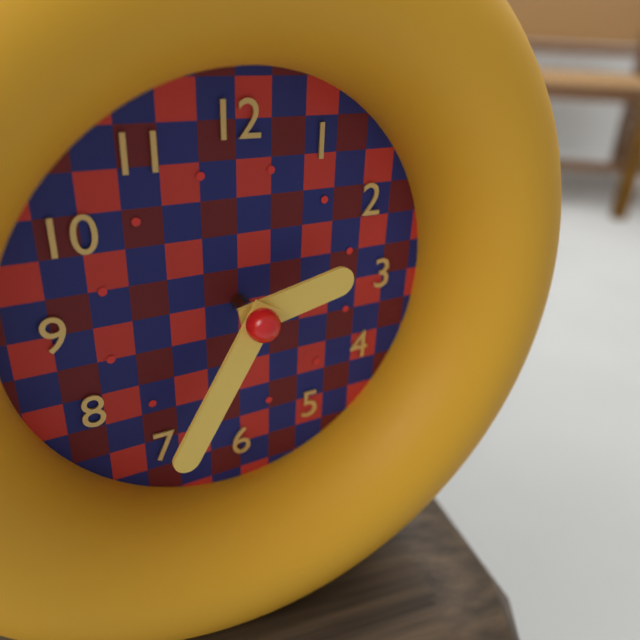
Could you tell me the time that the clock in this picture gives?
2:35
